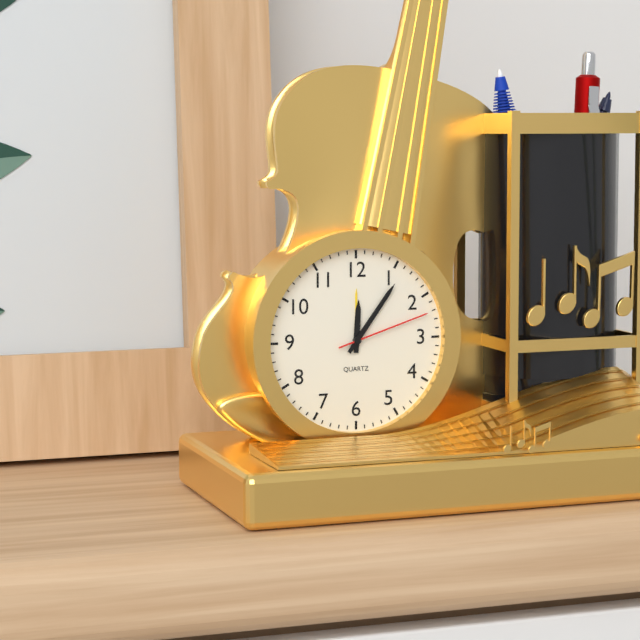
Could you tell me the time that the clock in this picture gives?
12:06:12
